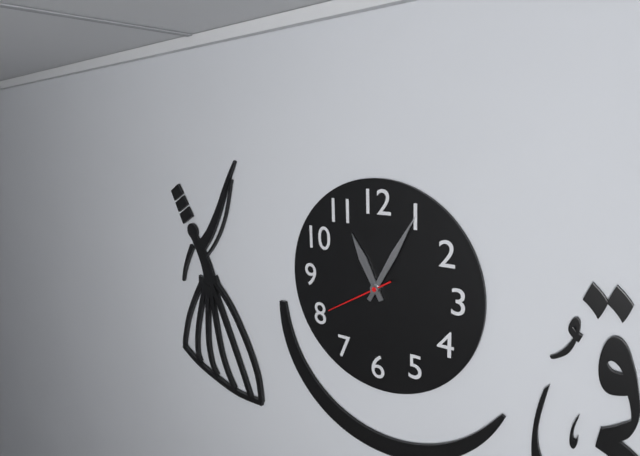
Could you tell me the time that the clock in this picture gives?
11:05:40
